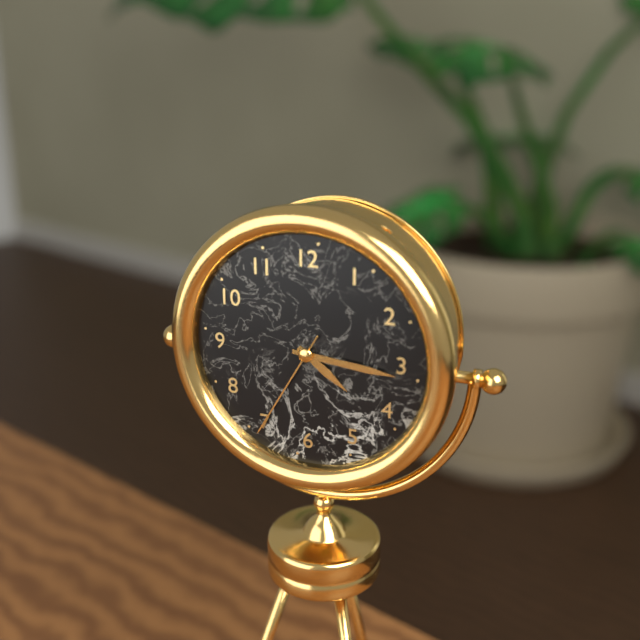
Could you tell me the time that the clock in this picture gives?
4:16:35
